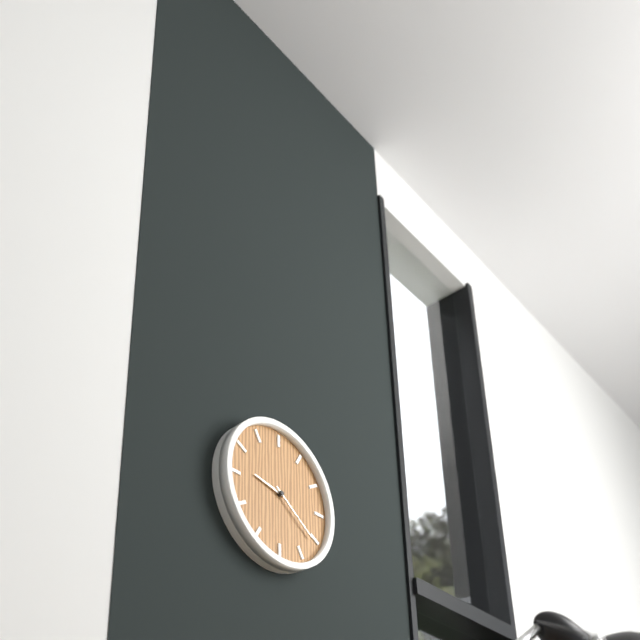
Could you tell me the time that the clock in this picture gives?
9:21
